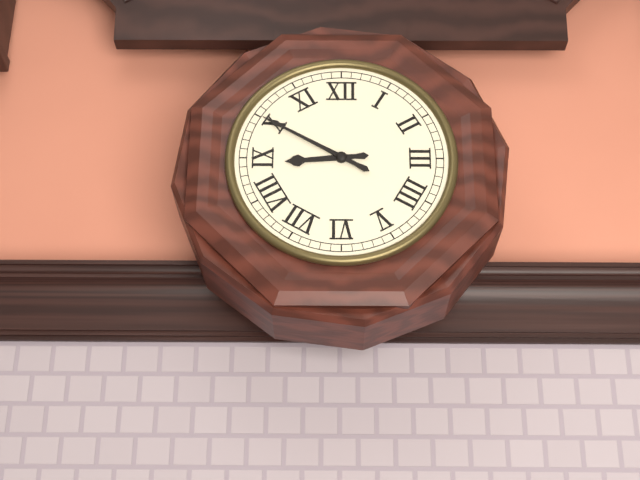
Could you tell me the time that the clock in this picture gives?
8:50
